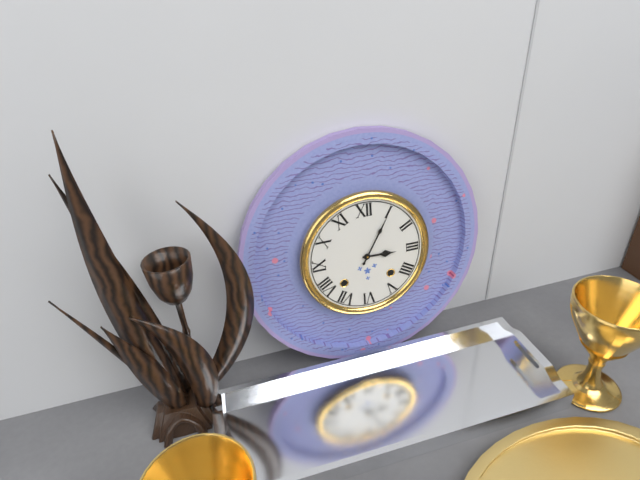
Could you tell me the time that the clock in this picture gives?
3:05
